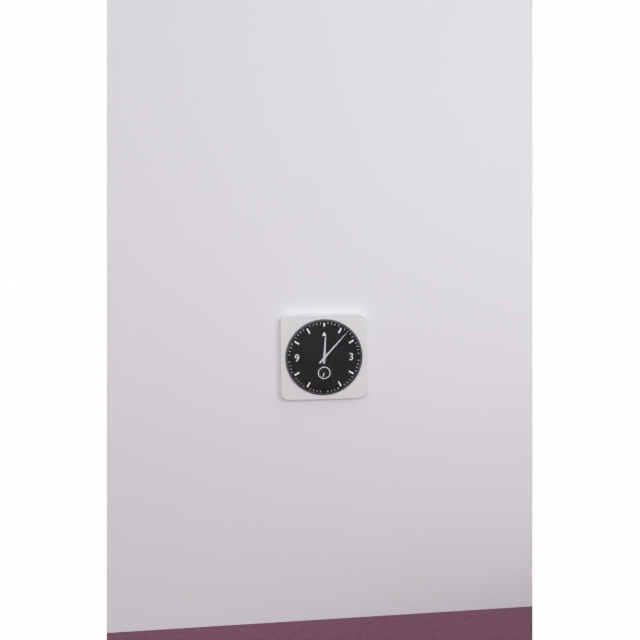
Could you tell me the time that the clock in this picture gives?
12:07
